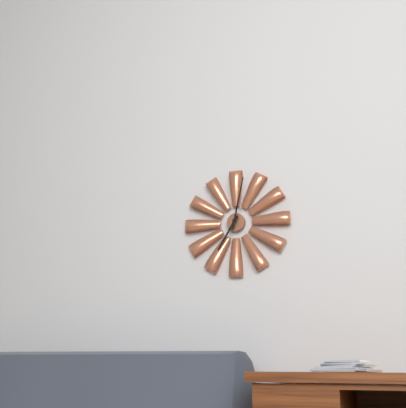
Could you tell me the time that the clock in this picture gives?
7:02
